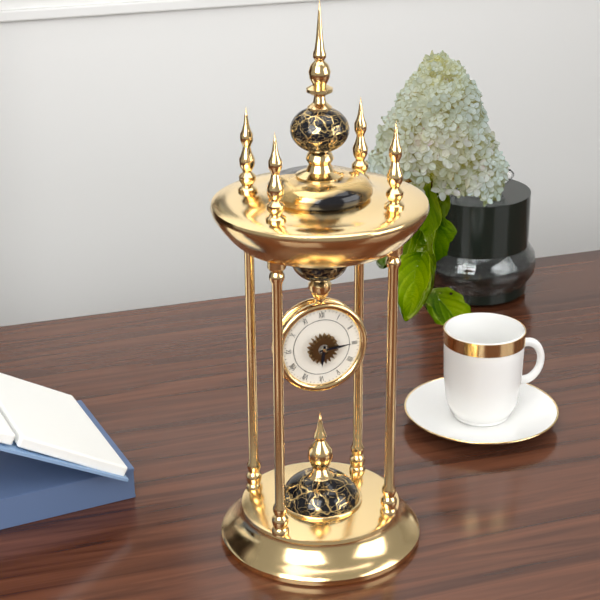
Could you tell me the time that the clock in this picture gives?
6:14
